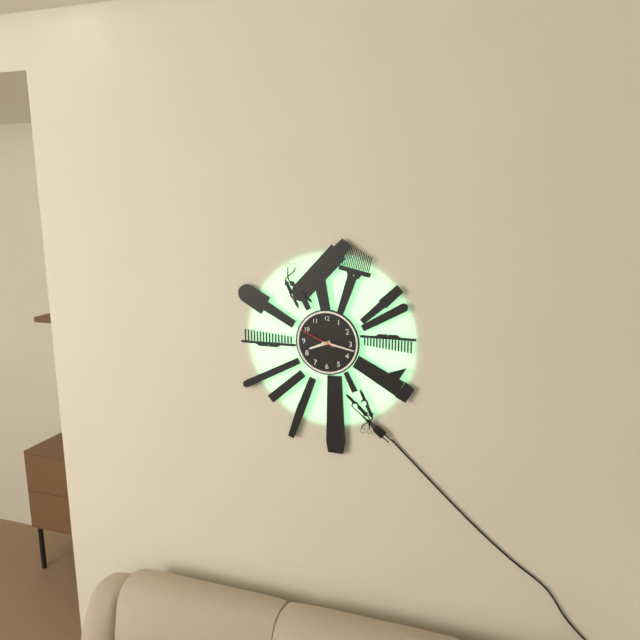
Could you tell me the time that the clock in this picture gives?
8:17
